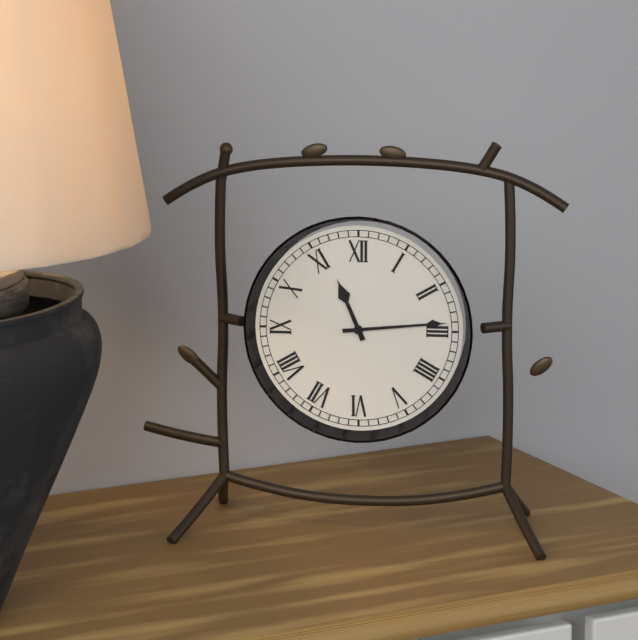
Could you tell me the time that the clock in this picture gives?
11:14
